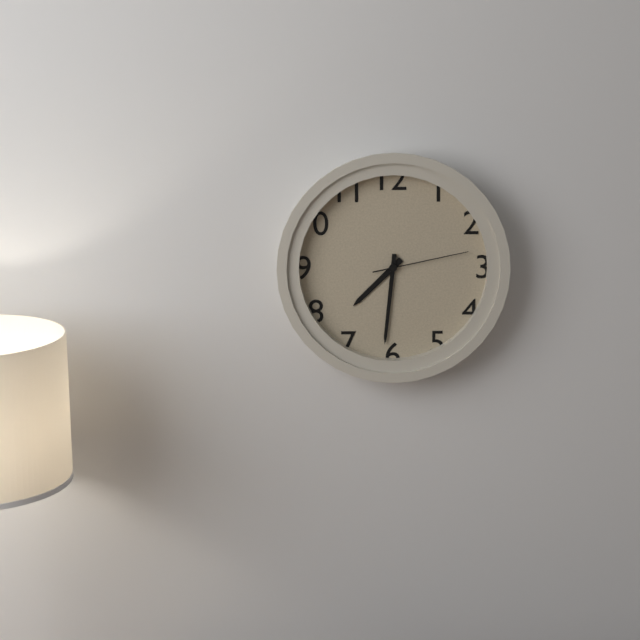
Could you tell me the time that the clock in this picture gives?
7:31:13
